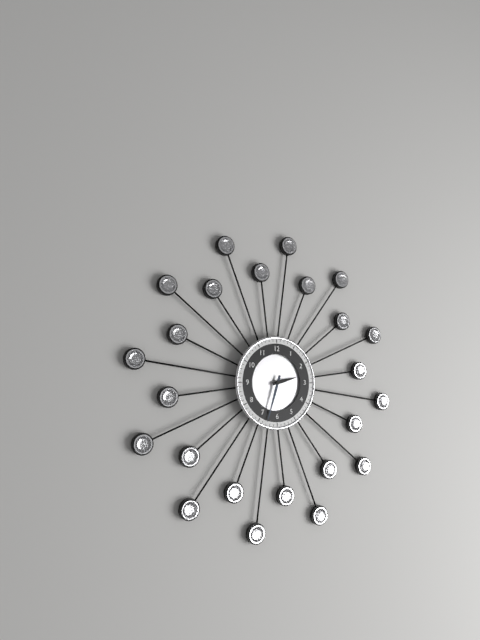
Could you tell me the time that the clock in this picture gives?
2:33
